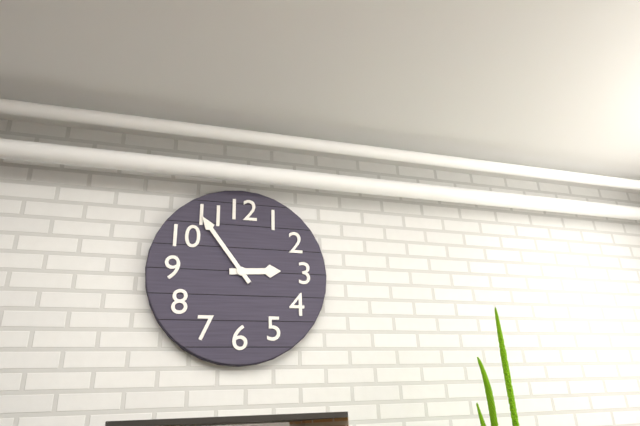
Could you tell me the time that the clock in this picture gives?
2:54
